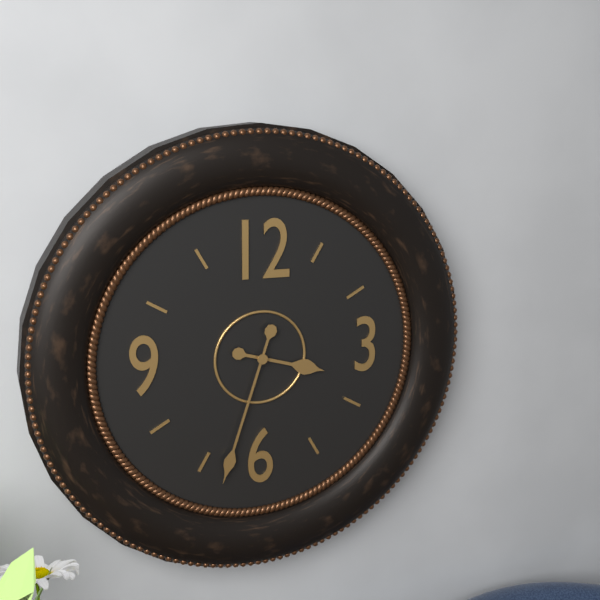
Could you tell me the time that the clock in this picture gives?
3:33
